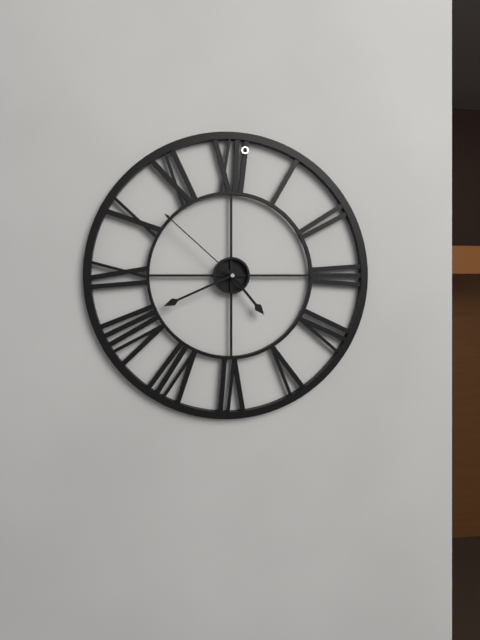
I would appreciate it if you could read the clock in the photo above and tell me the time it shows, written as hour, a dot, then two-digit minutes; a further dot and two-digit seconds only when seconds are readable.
4.41.52
